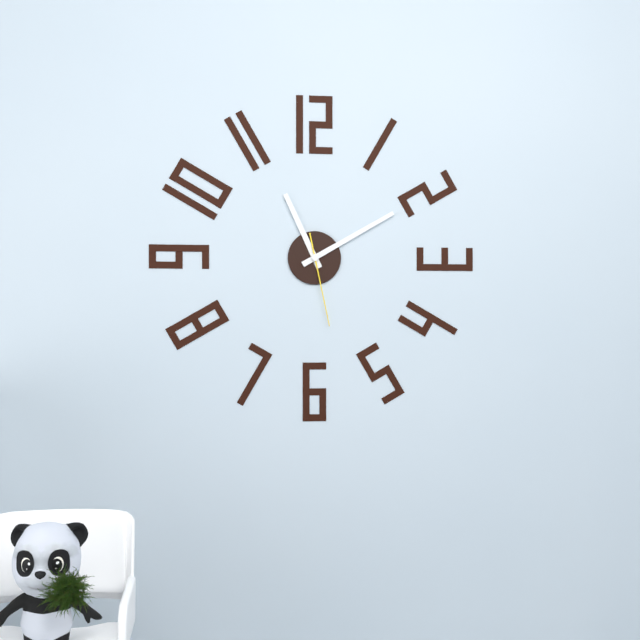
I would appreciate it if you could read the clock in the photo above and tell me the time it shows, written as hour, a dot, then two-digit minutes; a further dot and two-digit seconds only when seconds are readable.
11.10.28
